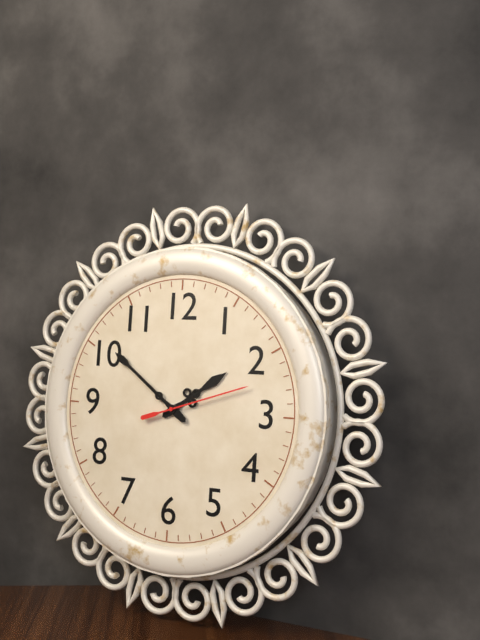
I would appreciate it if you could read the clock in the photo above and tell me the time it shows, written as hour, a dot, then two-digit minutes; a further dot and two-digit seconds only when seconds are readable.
1.51.12
